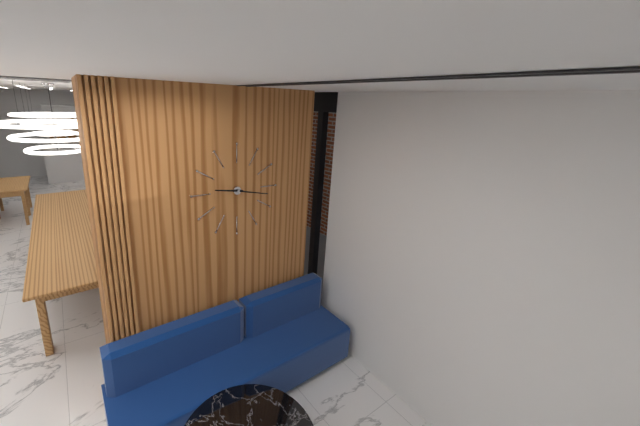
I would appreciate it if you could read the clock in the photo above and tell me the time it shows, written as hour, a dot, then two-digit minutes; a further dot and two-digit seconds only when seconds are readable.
9.17
